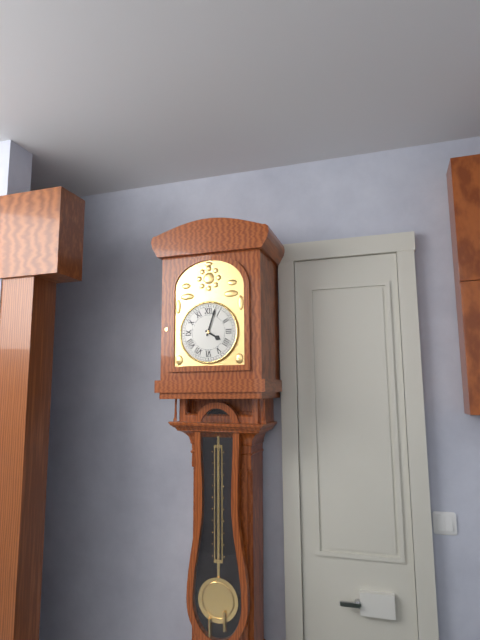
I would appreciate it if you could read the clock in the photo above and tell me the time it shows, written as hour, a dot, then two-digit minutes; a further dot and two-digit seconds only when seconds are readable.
4.03
